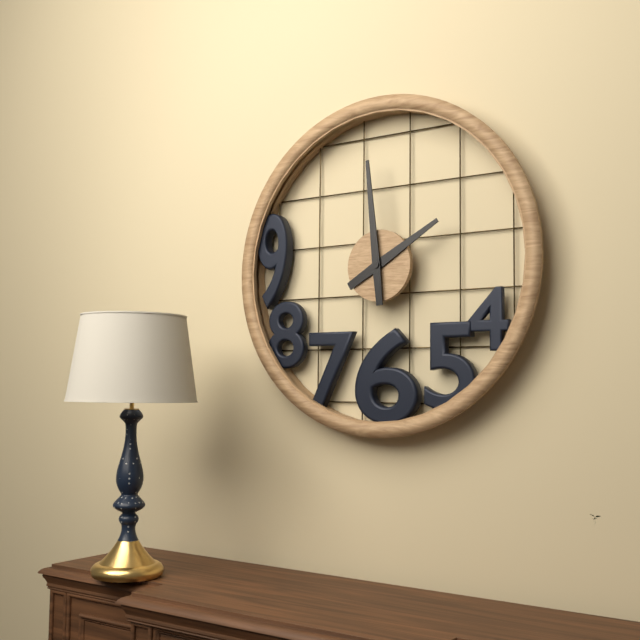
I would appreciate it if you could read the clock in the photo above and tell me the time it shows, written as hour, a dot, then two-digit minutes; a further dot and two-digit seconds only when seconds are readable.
1.59
